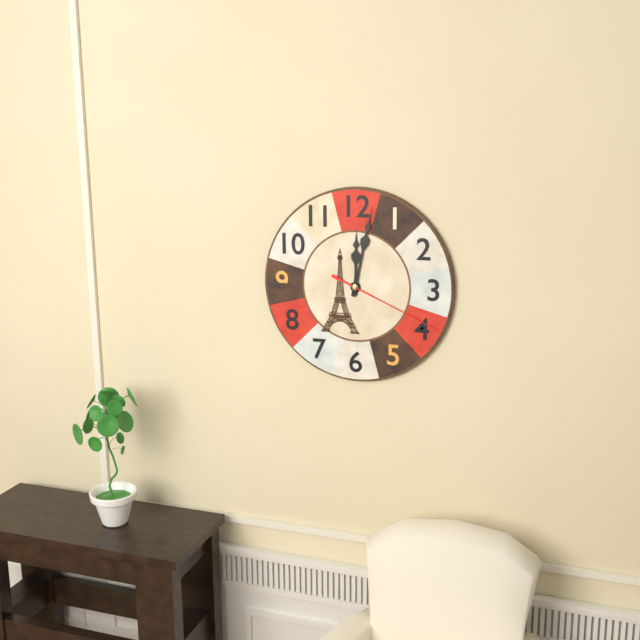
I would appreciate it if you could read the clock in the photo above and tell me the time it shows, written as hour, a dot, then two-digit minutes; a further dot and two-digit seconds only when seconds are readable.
12.02.19
